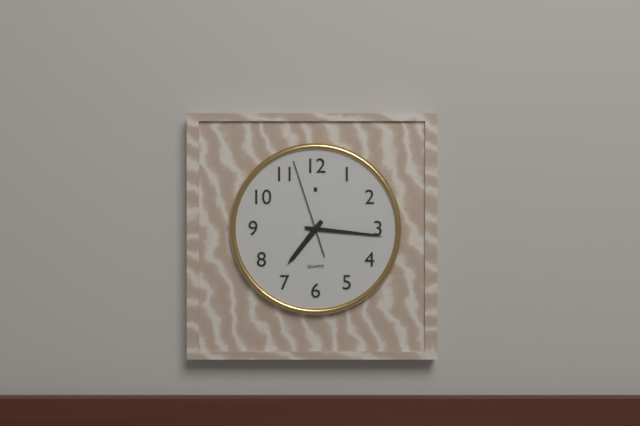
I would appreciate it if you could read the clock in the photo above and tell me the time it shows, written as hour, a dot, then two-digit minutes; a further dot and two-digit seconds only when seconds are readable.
7.16.57
